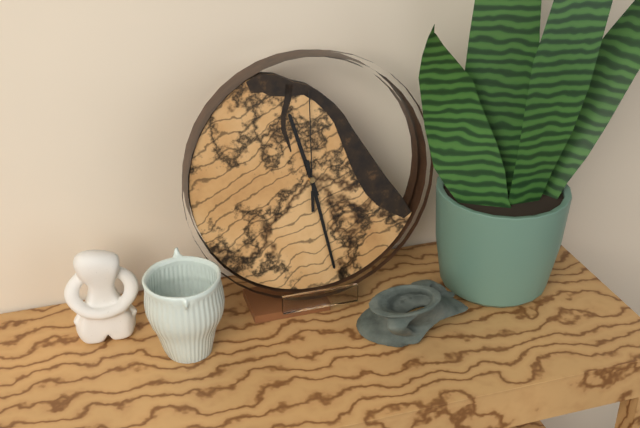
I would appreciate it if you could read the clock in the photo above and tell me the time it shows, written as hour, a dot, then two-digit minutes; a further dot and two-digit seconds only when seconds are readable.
11.28.00
